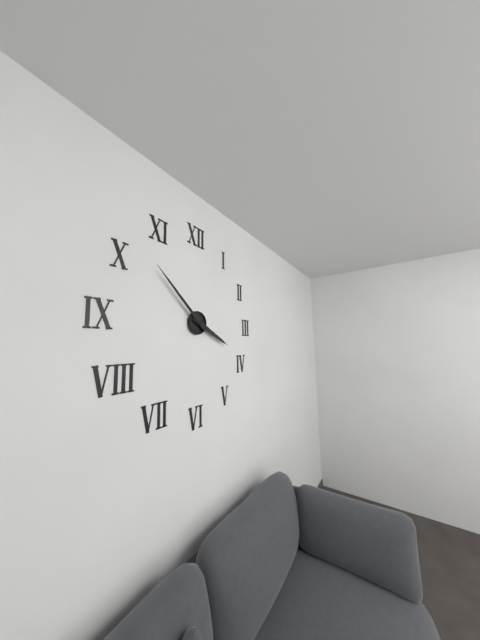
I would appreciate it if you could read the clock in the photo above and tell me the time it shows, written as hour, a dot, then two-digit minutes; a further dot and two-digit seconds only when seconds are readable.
3.52
